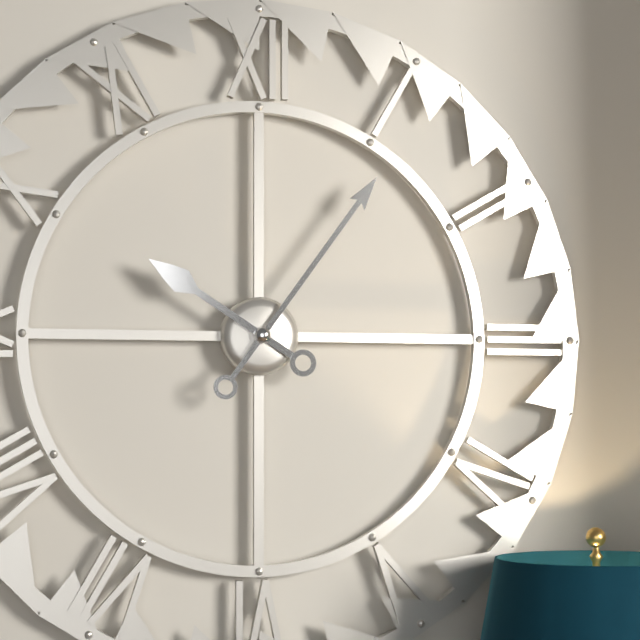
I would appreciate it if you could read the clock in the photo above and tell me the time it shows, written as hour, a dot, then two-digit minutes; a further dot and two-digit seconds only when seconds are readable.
10.06
